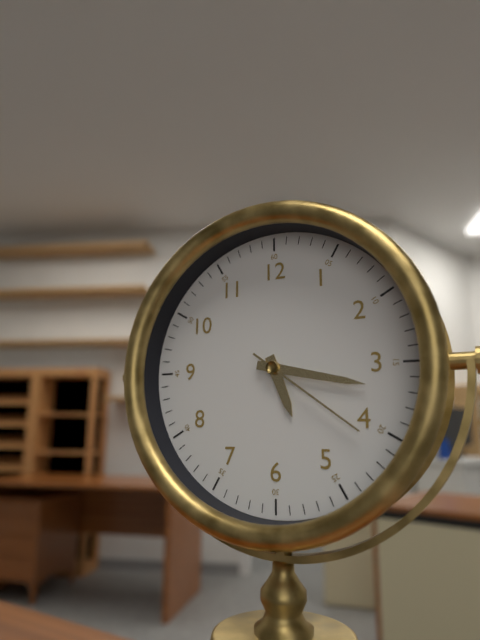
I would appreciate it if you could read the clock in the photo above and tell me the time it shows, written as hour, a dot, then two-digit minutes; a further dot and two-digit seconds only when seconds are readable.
5.17.21
